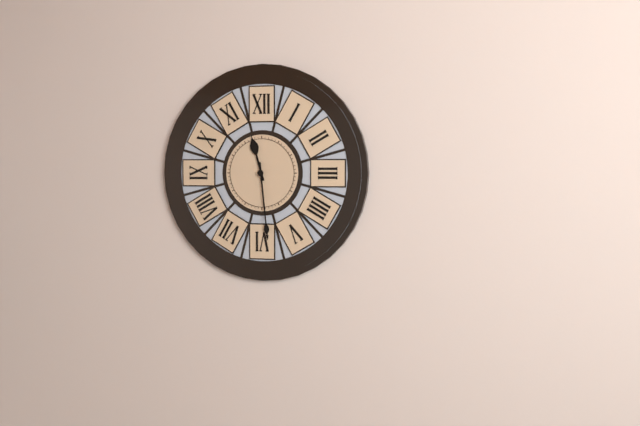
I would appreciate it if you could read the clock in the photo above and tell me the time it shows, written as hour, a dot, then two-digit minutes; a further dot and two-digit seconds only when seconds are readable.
11.29
